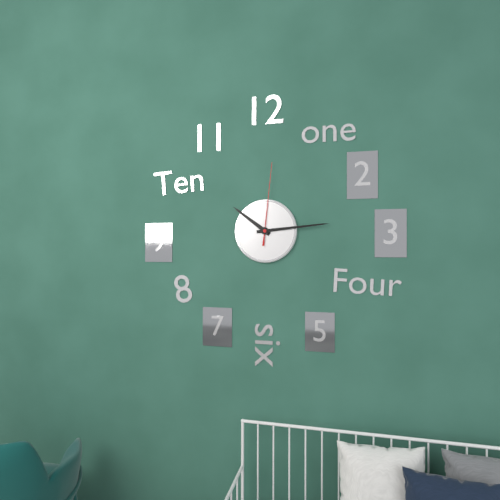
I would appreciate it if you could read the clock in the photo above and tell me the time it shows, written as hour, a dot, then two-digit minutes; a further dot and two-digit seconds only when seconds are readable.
10.14.01
